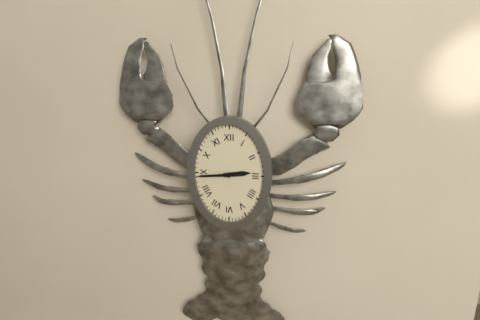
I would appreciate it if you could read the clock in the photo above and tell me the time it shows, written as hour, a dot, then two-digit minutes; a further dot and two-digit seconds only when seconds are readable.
2.44
